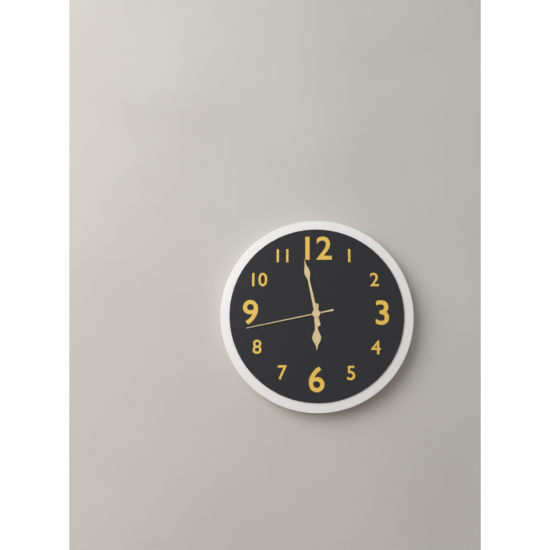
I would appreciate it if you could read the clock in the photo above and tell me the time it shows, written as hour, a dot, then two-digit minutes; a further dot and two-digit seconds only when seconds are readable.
5.58.43
